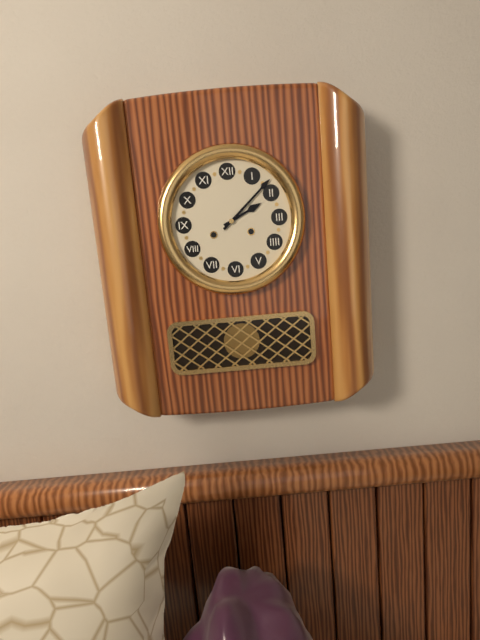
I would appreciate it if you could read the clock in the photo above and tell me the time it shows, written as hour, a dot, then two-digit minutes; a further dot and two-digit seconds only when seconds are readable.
2.08
